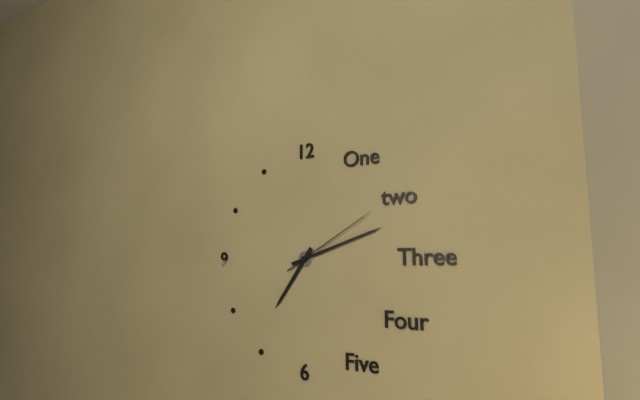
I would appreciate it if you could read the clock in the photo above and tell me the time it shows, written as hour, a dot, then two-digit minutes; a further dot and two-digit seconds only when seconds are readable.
7.12.10
